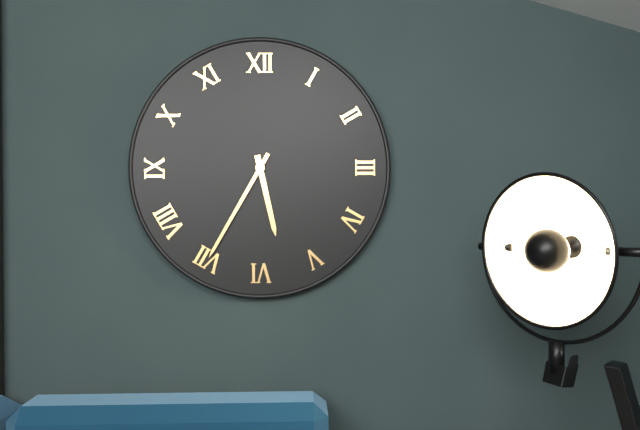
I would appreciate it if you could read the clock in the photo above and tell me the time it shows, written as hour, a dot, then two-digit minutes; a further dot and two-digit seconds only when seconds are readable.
5.35
